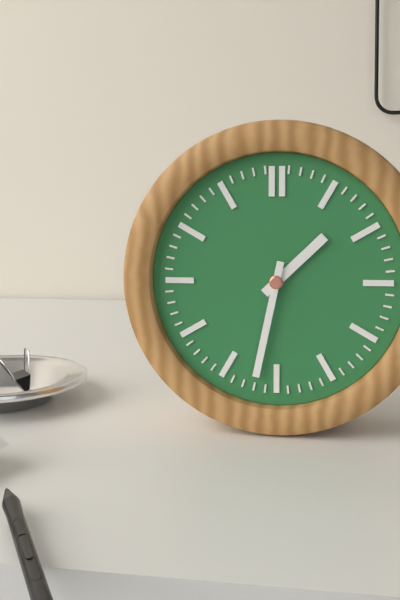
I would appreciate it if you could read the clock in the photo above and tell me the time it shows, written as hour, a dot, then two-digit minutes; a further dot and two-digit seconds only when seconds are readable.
1.32
